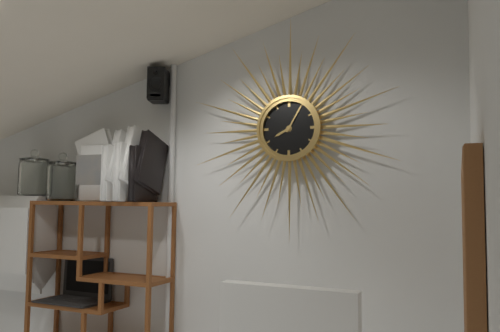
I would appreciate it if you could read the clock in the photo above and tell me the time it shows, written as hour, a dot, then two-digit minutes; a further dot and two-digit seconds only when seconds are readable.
8.05
